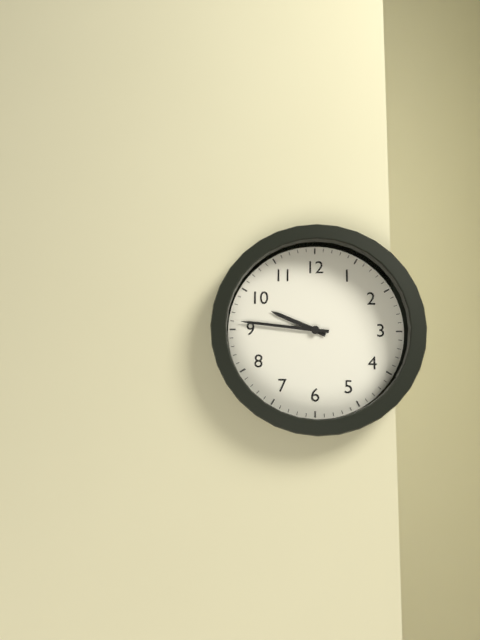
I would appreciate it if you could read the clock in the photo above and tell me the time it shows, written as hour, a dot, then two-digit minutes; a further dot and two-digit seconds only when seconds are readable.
9.46
